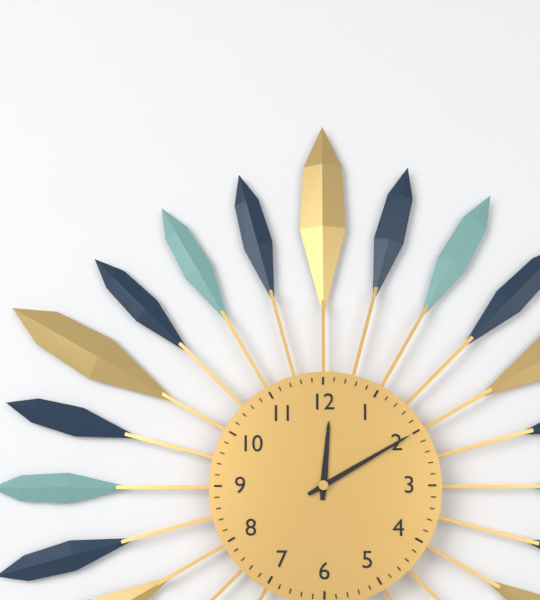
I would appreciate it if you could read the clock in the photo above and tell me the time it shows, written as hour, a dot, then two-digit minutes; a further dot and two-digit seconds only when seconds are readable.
12.10
